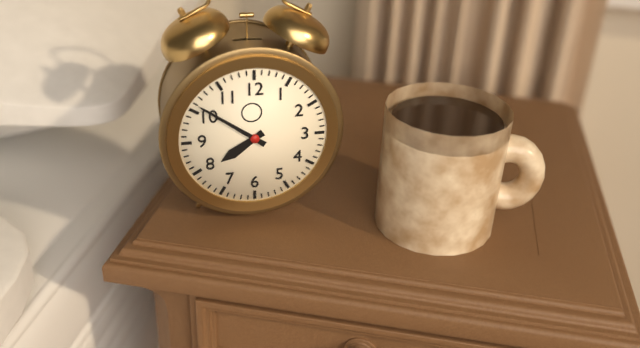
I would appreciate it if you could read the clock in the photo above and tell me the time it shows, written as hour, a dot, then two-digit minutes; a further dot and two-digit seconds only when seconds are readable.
7.51
